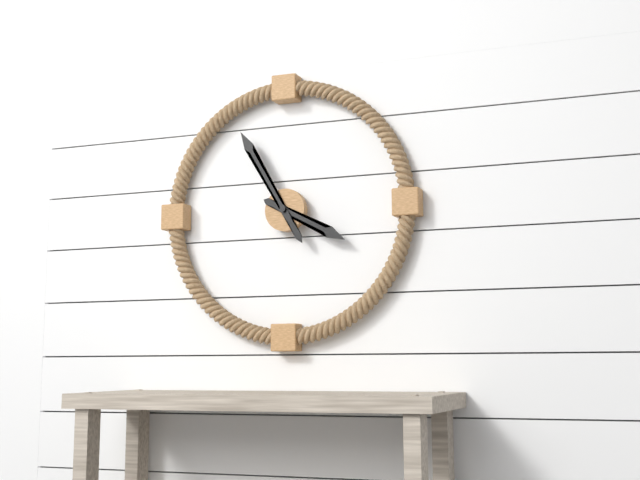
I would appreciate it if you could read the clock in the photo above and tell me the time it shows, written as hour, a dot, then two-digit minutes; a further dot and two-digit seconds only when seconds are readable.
3.55
